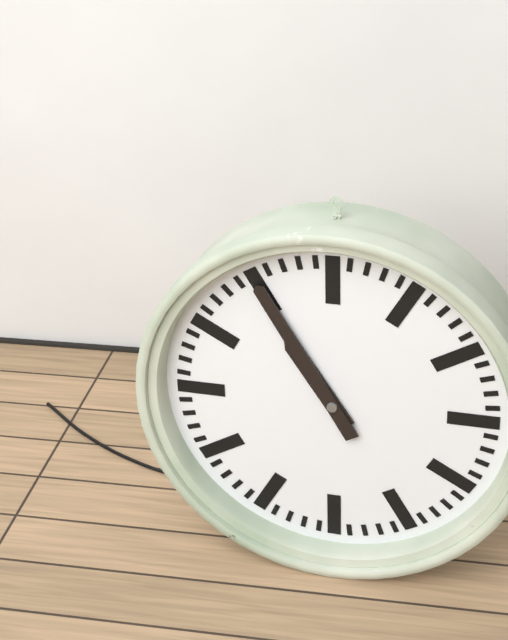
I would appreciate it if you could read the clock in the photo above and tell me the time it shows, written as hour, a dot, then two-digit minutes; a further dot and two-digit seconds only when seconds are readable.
10.55
